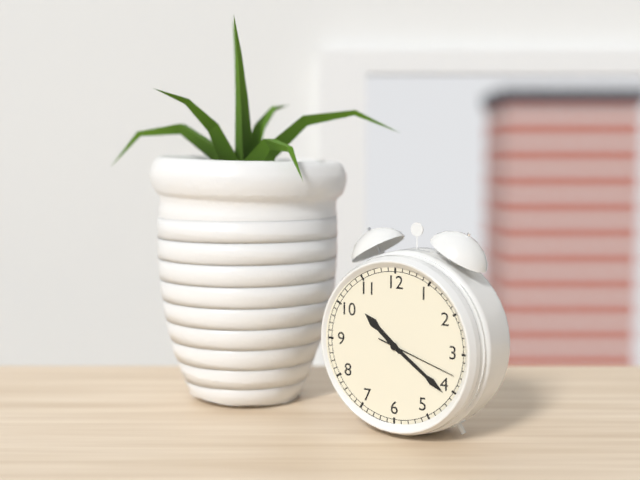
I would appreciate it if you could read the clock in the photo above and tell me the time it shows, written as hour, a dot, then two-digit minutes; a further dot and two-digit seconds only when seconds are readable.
10.21.18
